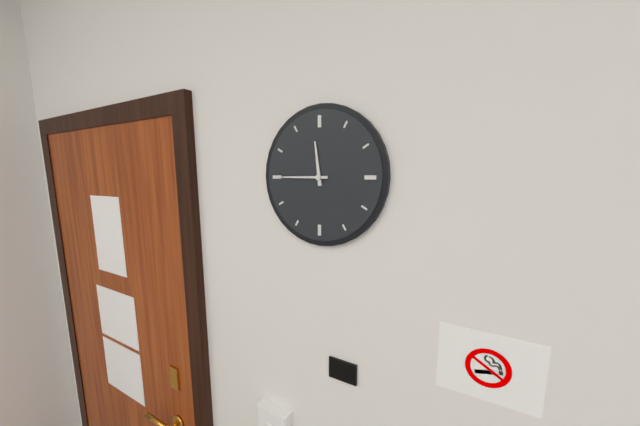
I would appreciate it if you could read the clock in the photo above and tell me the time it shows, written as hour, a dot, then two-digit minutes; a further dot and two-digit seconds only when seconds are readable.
11.45
